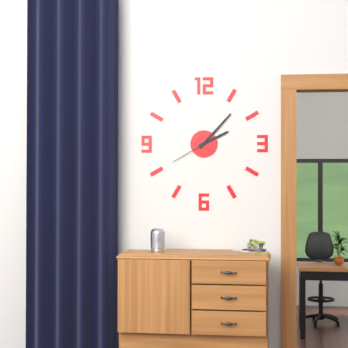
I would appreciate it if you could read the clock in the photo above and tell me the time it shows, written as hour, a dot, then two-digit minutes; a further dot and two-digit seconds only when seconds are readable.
2.07
